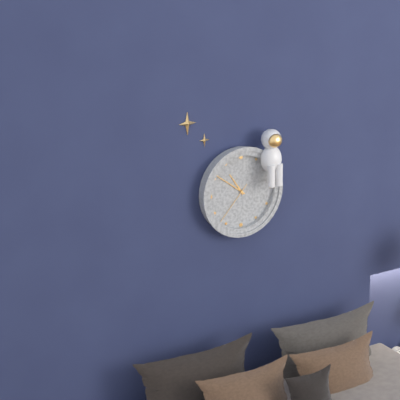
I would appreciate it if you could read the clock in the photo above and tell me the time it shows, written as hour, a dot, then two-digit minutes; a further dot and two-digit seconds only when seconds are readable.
10.51
